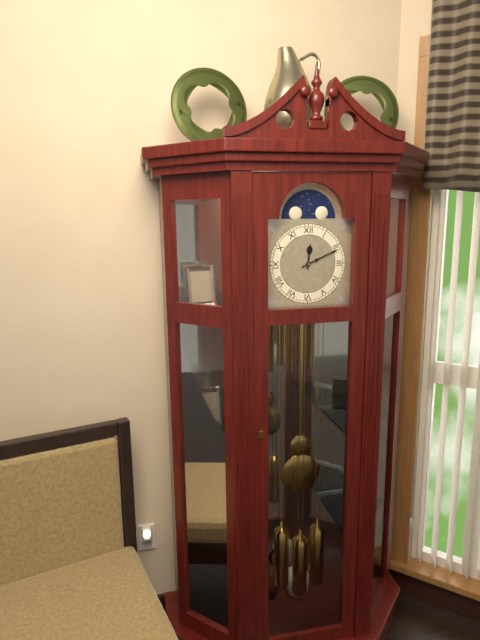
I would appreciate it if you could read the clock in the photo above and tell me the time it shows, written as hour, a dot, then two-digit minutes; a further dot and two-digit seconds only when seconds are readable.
12.11
